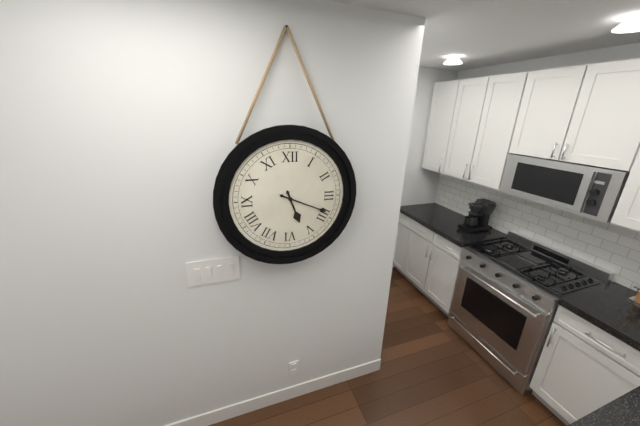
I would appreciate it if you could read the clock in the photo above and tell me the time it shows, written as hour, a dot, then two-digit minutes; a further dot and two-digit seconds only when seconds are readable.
5.19
